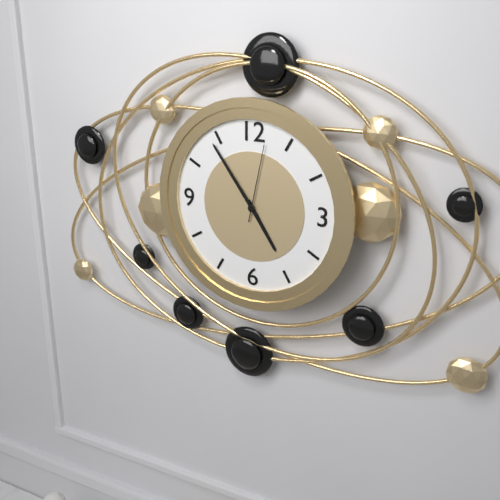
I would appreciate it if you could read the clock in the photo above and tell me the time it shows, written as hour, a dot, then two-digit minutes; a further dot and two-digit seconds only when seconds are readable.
4.54.02
